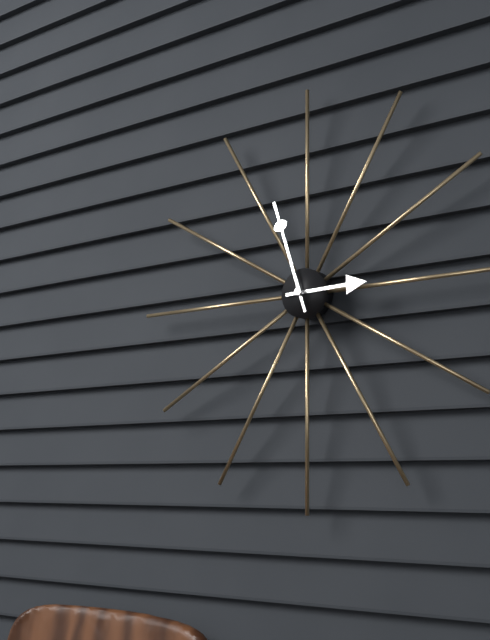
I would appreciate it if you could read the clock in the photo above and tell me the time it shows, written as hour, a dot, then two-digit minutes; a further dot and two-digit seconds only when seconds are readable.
2.57
